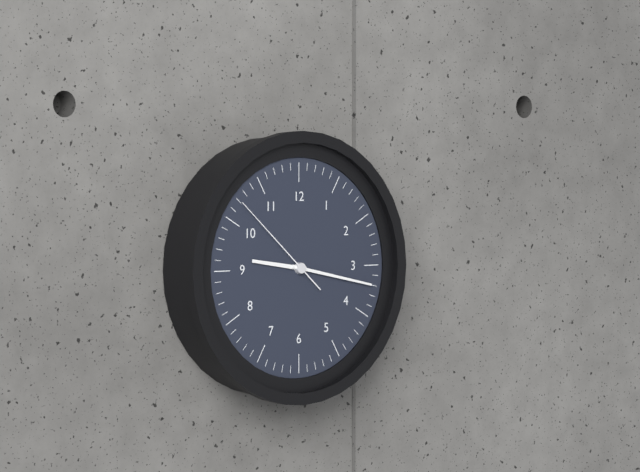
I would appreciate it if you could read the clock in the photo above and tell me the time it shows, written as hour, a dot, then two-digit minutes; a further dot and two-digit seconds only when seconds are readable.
9.17.52
